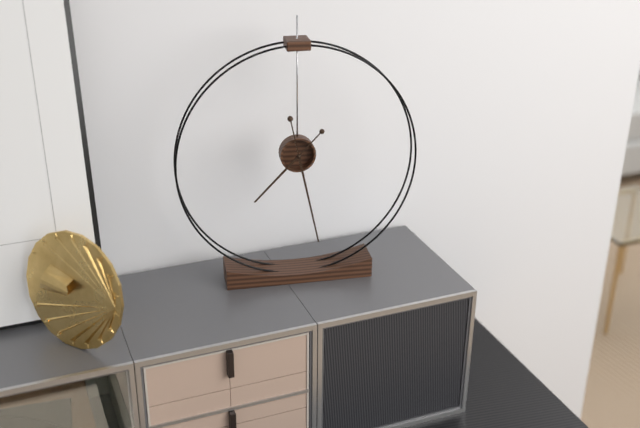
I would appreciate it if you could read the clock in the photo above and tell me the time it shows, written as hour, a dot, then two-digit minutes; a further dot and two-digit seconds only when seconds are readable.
7.28
